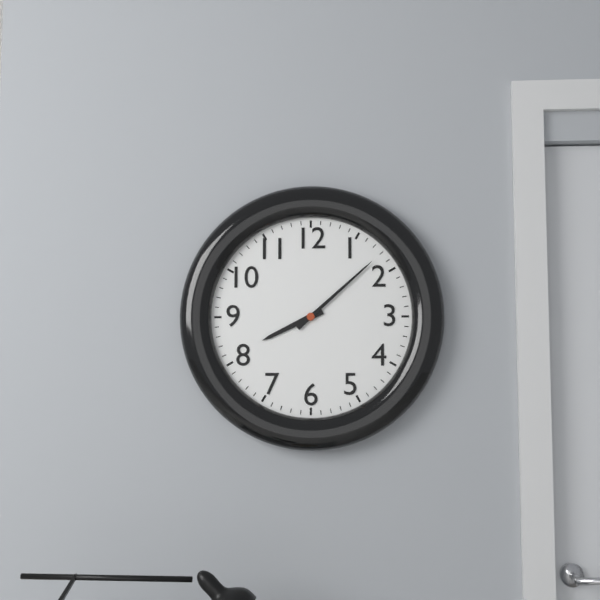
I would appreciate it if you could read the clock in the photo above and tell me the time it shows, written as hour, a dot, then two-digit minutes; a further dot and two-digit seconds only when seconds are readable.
8.08
